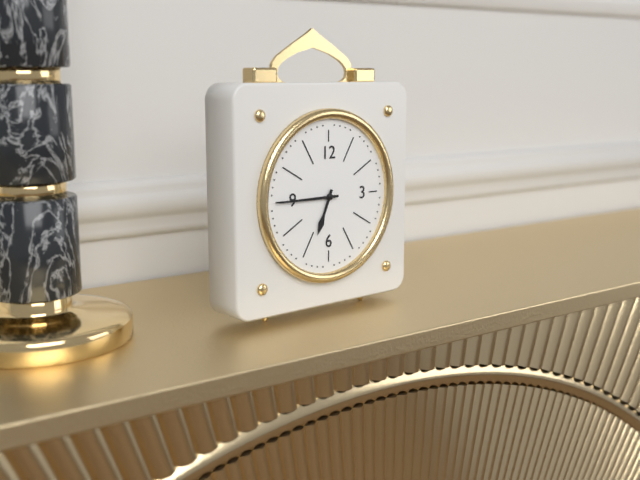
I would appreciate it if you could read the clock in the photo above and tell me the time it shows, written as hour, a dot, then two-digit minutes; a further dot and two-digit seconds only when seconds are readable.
6.45
